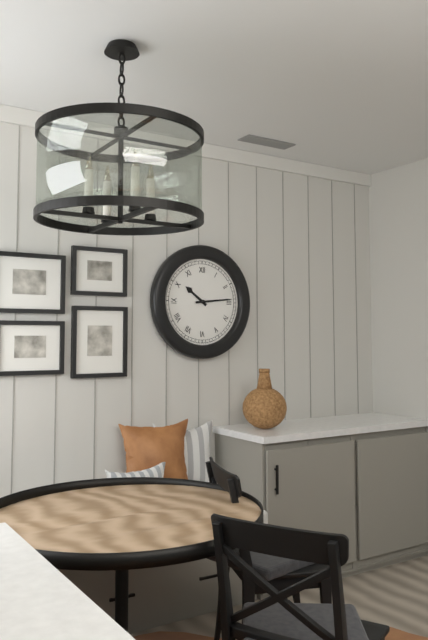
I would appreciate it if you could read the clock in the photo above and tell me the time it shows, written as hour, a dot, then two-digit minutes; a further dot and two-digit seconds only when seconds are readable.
10.14
